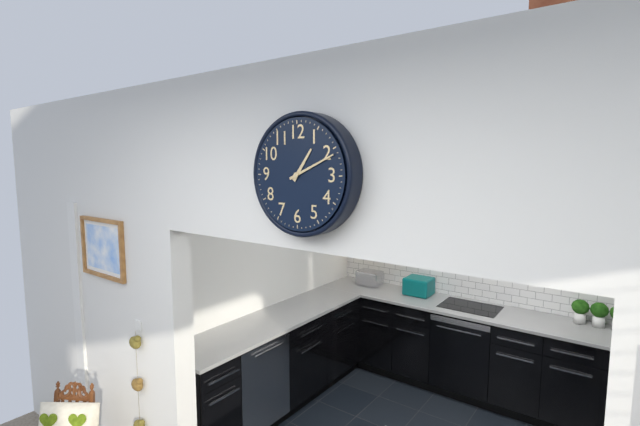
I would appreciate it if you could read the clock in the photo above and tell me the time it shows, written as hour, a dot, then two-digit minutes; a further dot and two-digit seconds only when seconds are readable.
1.11
